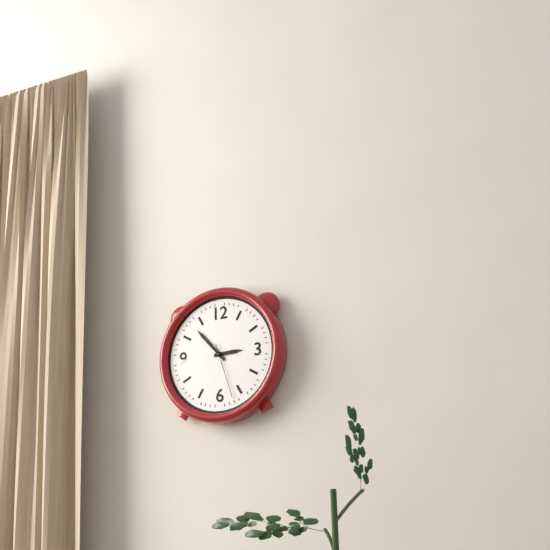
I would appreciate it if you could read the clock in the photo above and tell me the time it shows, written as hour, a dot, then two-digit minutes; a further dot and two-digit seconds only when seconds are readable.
2.53.27
